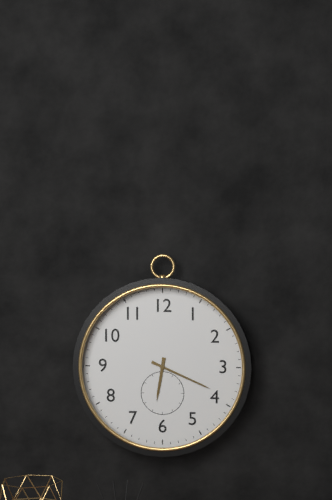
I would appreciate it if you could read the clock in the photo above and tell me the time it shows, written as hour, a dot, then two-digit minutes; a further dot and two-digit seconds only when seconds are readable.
6.19
